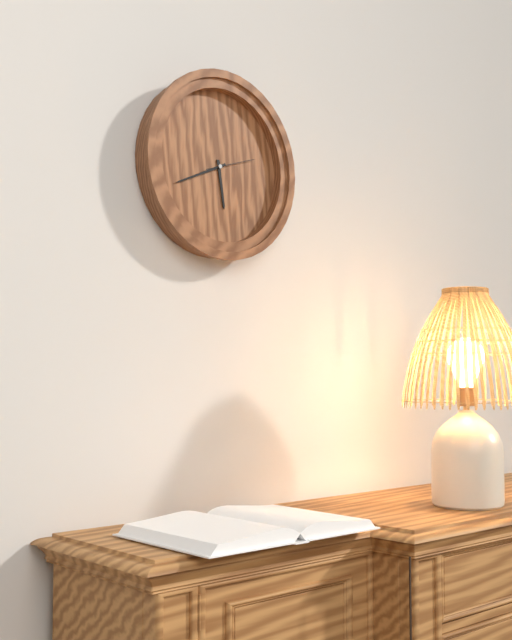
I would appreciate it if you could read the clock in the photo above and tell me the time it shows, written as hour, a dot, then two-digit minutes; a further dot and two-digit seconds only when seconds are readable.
5.41
